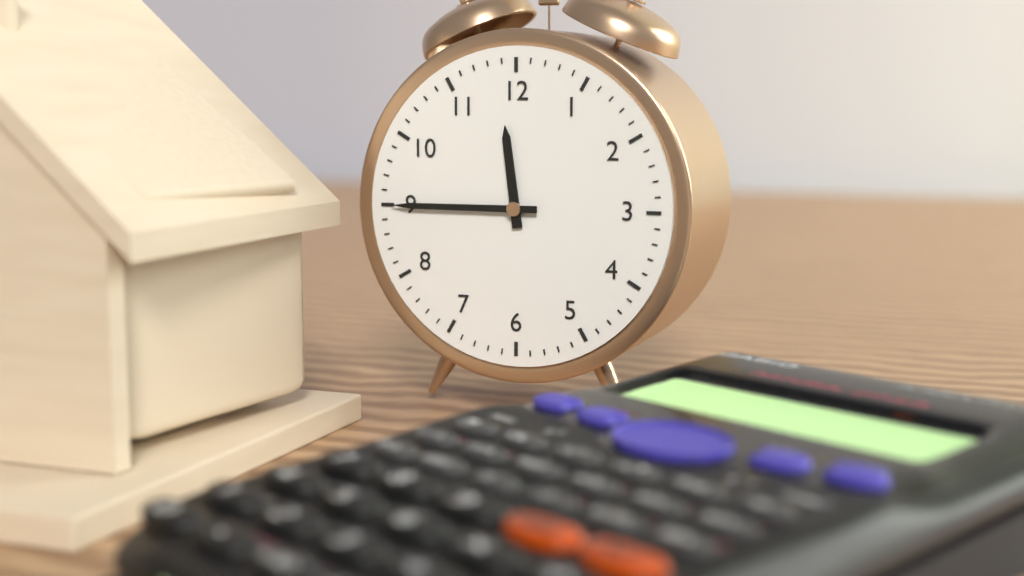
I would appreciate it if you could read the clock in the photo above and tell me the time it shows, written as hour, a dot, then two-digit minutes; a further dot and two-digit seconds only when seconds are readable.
11.45
